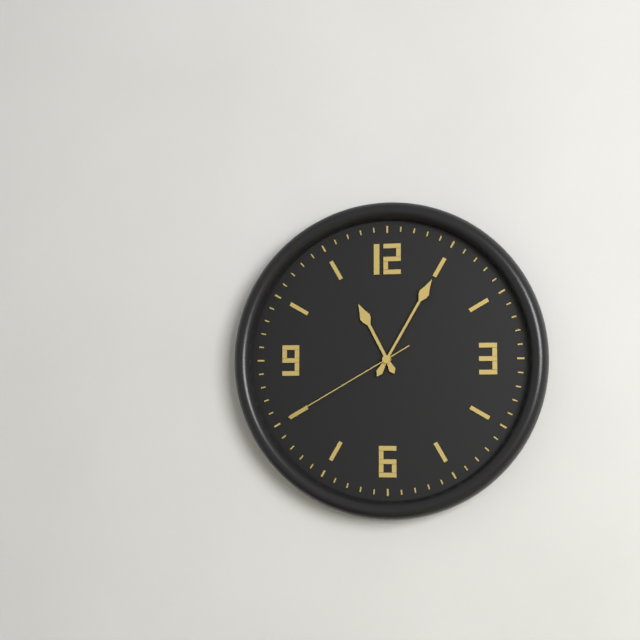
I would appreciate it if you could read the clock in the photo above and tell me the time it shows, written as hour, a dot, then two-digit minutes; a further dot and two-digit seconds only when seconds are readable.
11.05.40
